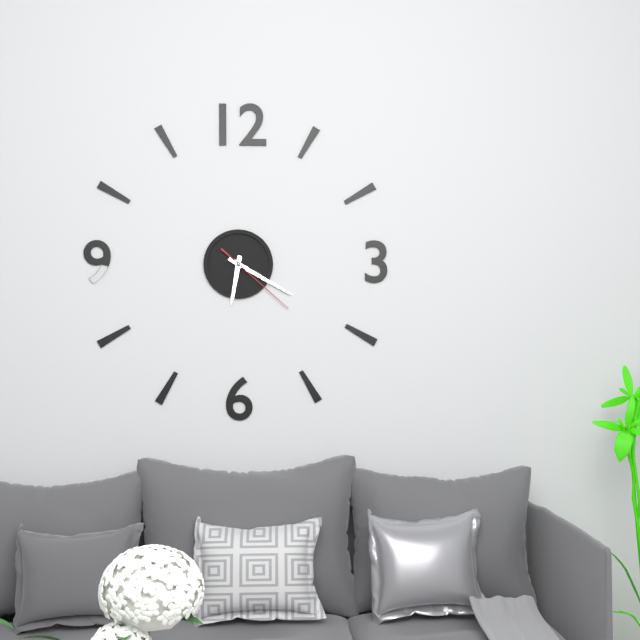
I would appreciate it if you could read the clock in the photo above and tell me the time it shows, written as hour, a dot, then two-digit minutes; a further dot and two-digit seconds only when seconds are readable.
6.20.22
